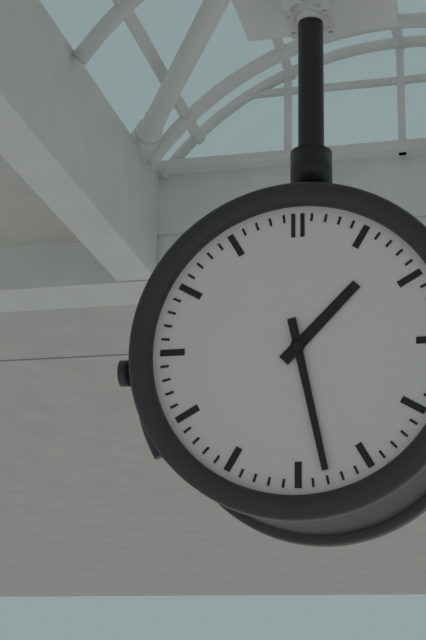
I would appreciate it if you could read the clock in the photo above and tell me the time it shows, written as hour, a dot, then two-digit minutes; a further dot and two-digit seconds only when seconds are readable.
1.28
